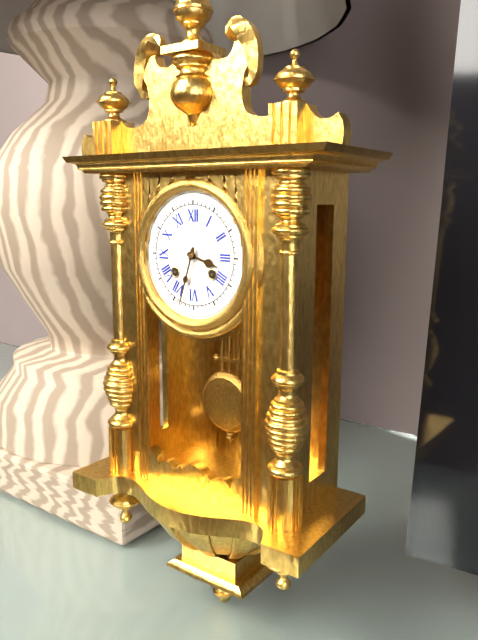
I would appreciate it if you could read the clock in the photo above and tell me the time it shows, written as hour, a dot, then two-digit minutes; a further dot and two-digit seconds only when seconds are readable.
3.33
